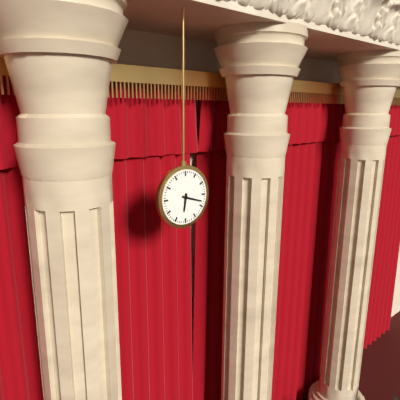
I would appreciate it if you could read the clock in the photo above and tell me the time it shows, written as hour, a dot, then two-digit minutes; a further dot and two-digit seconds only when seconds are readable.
6.18
